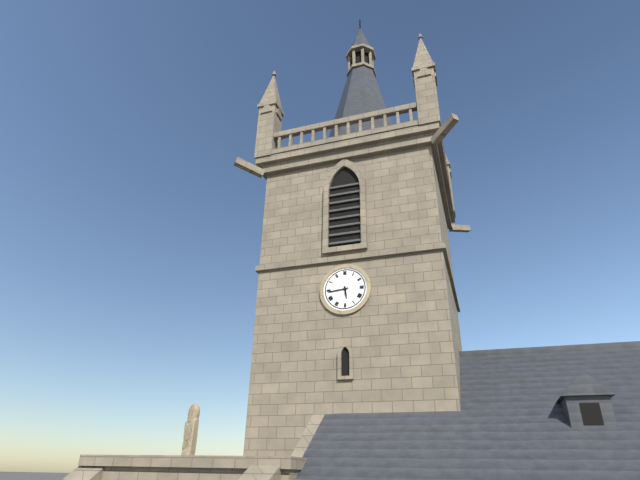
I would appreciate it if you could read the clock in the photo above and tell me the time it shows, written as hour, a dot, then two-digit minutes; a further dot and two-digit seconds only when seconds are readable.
5.44
